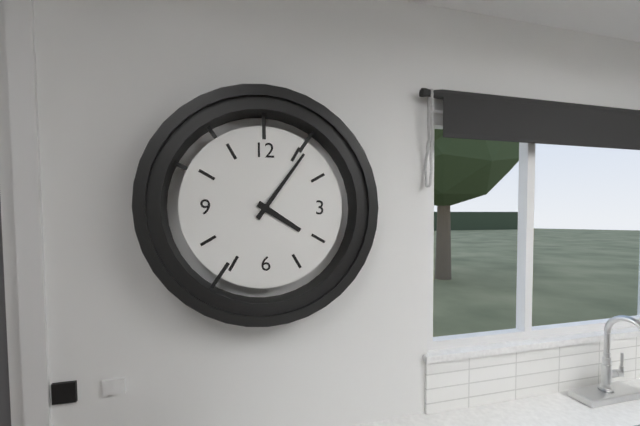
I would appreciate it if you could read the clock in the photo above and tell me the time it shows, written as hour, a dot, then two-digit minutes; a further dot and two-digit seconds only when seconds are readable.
4.06
